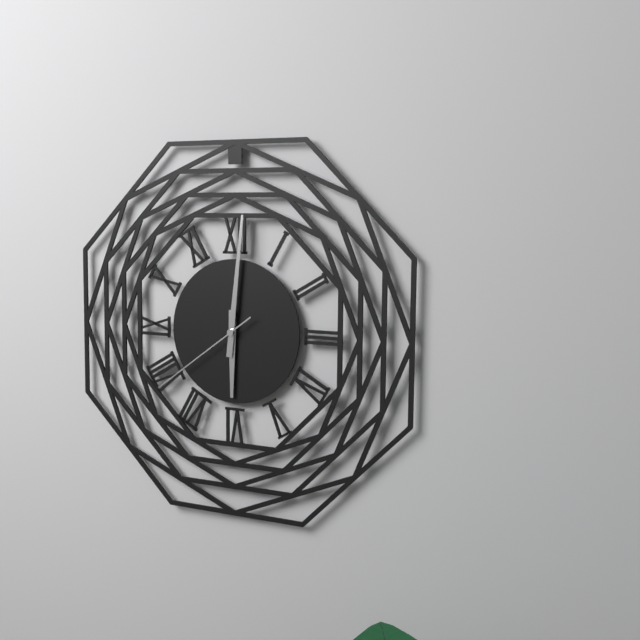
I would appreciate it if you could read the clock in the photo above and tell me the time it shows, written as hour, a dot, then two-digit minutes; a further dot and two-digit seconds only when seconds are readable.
6.01.39
